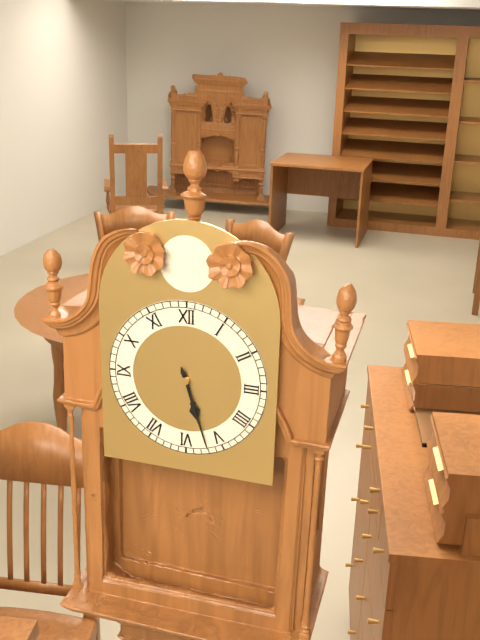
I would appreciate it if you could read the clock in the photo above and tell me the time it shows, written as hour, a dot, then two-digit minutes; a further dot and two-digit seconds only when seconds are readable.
5.27
